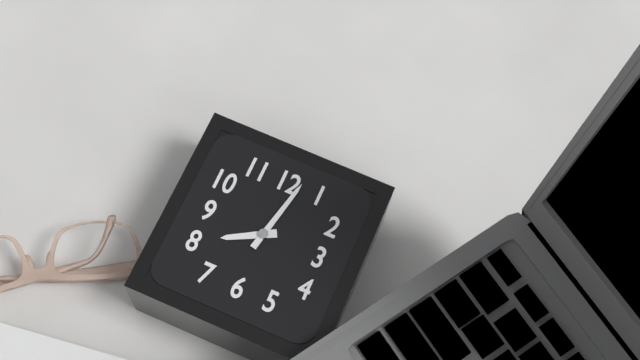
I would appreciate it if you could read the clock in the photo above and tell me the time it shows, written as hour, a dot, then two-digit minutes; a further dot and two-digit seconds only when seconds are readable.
8.02
